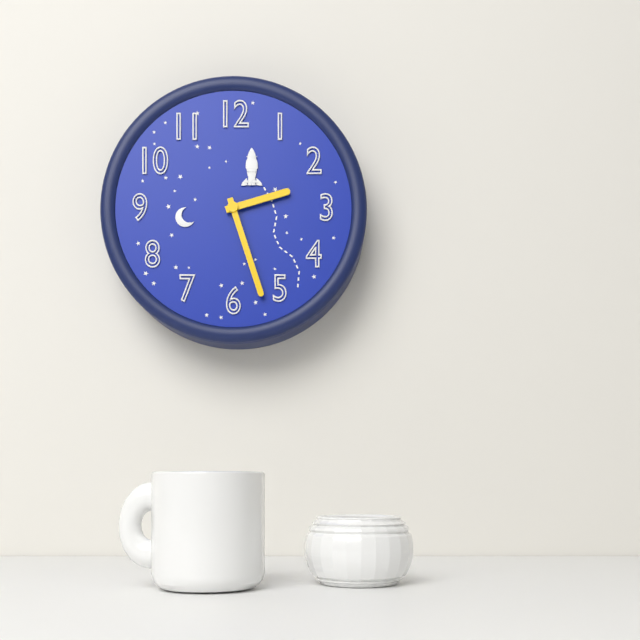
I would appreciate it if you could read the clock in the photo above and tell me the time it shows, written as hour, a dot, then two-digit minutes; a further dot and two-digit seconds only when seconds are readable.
2.27
